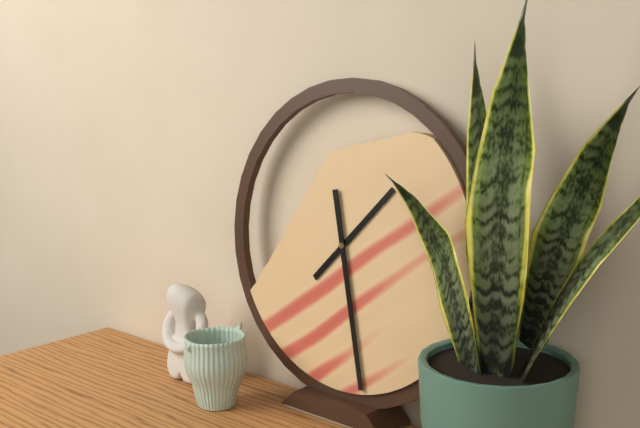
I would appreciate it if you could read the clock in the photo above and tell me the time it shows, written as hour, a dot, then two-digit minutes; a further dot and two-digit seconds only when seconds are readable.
1.28
